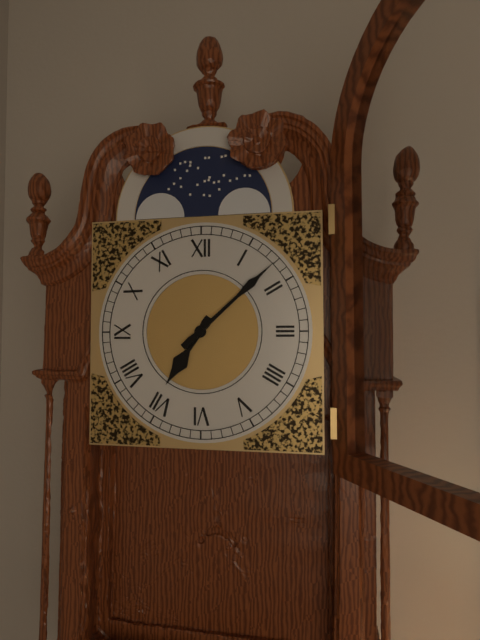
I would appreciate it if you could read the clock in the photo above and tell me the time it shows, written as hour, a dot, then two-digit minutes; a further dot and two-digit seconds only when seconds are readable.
7.08
